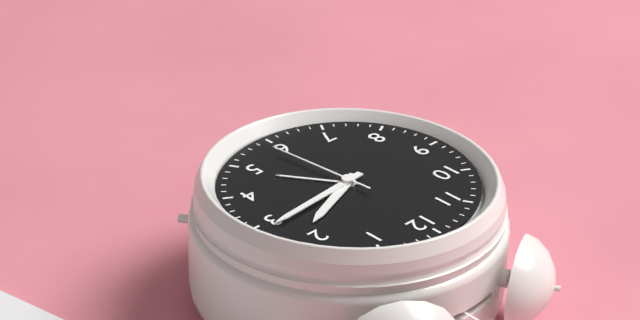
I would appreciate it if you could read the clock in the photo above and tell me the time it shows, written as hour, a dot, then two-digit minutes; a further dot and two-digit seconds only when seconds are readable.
2.14.29
